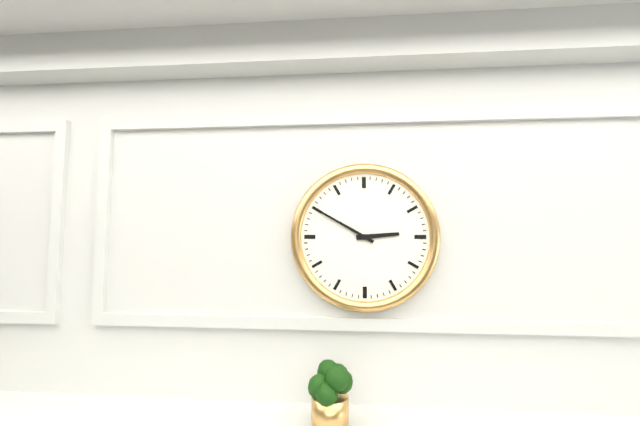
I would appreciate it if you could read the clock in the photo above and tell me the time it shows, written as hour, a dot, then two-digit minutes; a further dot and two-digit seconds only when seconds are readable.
2.50
